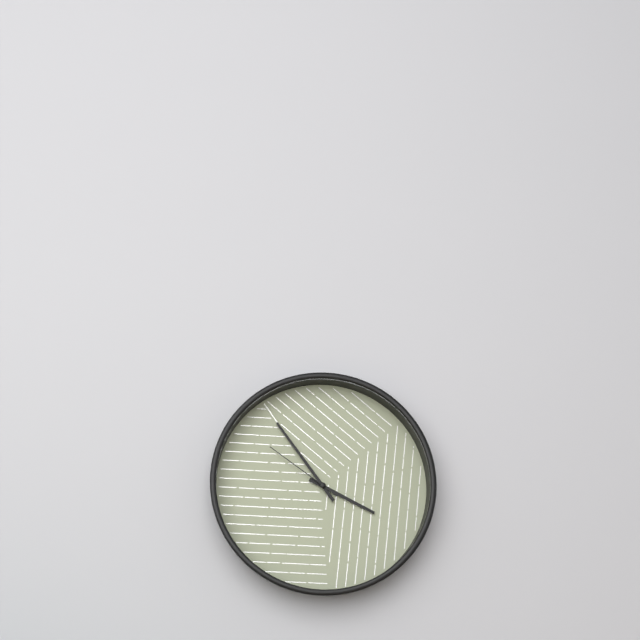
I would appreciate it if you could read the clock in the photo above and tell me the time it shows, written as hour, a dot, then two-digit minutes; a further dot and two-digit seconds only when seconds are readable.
3.54.51
